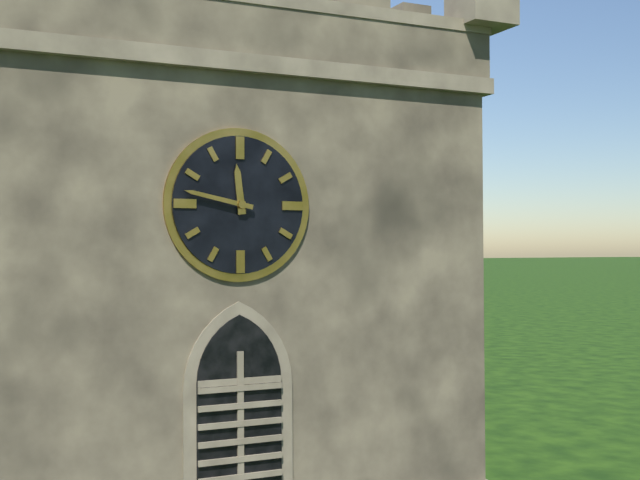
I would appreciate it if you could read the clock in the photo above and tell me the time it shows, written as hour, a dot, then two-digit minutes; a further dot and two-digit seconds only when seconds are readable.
11.47
